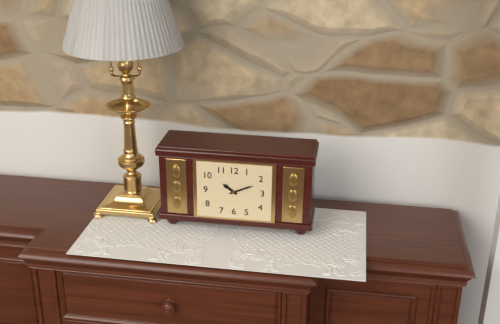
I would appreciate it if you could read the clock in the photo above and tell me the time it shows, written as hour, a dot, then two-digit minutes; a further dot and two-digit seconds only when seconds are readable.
10.11
